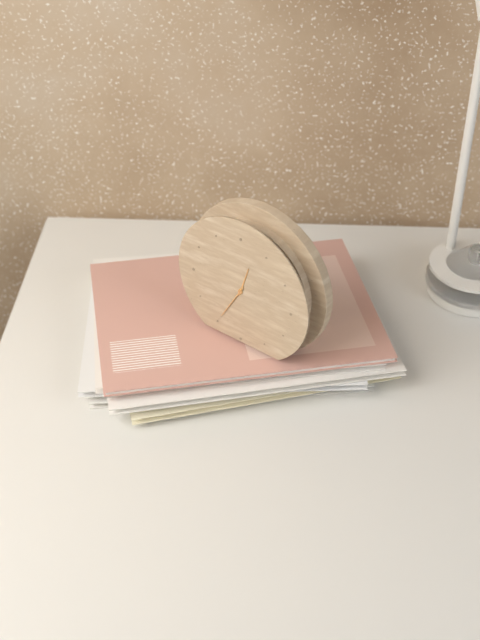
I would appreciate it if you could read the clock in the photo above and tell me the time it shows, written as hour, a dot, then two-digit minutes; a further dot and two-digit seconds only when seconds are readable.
12.35
